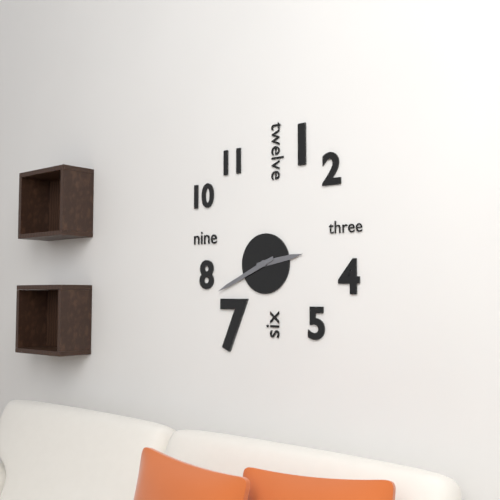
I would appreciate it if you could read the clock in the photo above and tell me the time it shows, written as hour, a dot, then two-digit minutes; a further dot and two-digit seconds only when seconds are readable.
2.41
